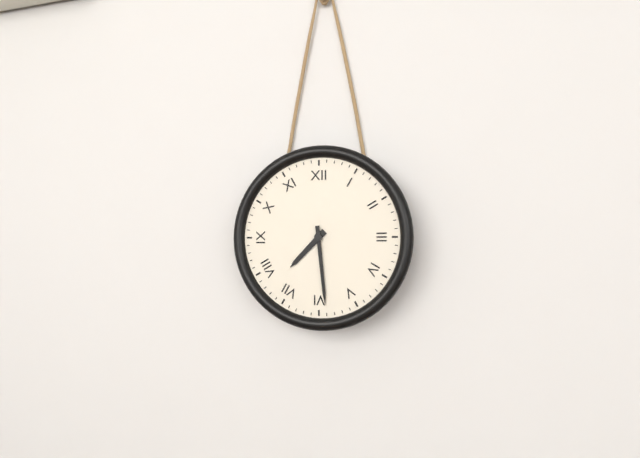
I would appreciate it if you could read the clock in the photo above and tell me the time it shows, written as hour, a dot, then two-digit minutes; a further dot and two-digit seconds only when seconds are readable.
7.29
